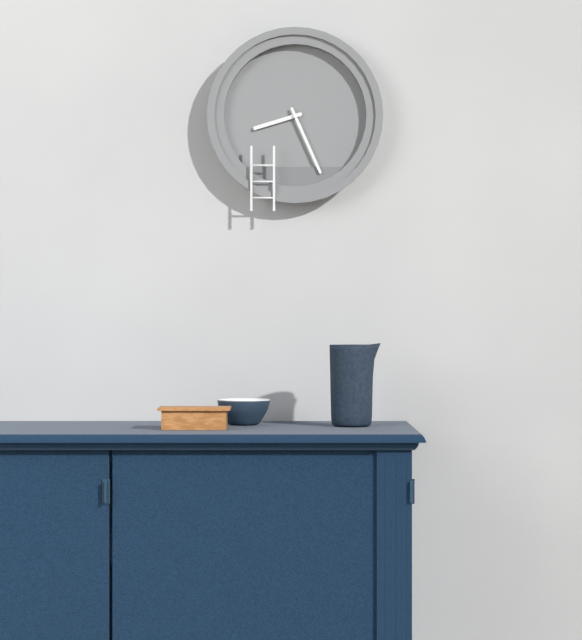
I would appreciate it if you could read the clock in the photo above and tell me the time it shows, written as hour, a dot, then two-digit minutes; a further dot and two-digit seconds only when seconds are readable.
8.26
